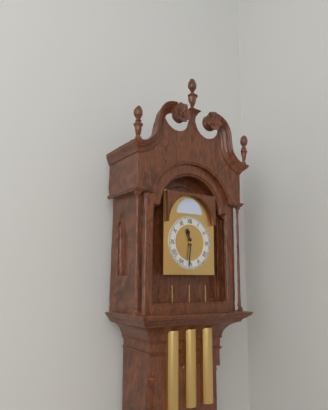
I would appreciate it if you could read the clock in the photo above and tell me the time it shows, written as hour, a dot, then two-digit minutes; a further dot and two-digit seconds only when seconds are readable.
11.31
